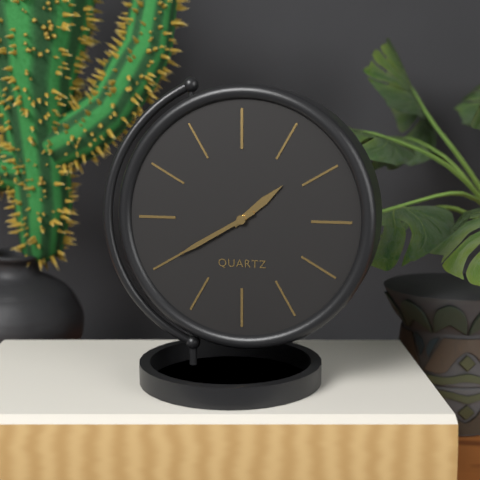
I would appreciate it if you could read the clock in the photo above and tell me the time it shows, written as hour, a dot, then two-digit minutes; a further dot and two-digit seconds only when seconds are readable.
1.40
